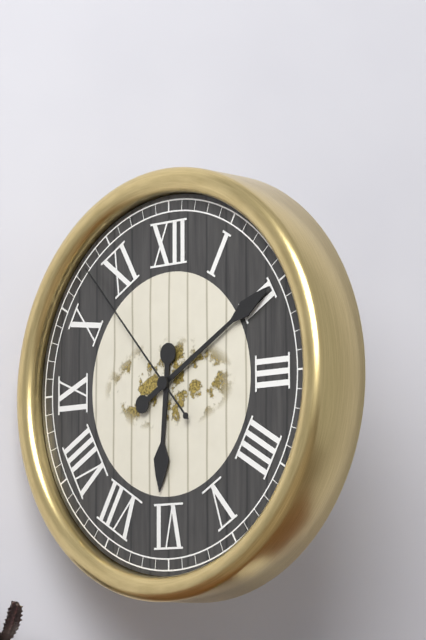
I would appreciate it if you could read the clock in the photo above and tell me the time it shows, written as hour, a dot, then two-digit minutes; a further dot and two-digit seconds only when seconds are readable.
6.10.53
